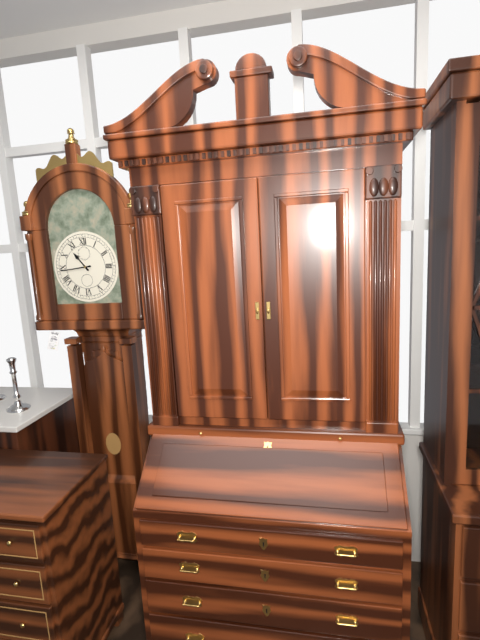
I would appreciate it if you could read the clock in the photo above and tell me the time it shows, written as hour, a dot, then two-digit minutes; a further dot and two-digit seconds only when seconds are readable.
10.44
